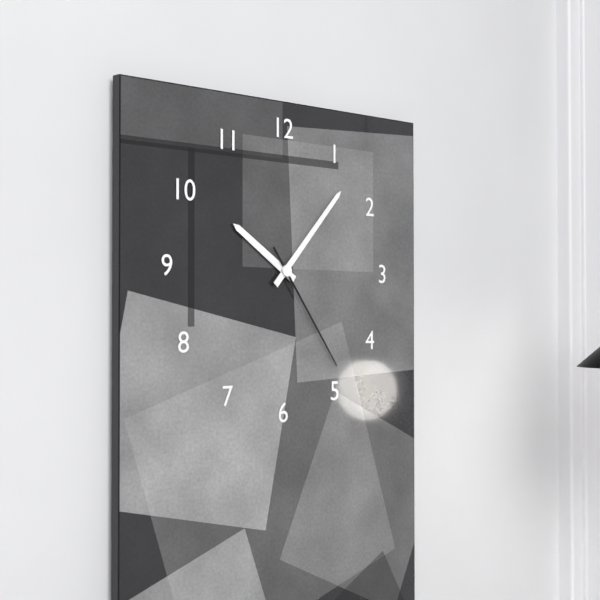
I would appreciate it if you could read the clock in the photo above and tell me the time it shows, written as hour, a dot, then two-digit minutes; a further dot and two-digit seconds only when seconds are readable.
10.07.24
